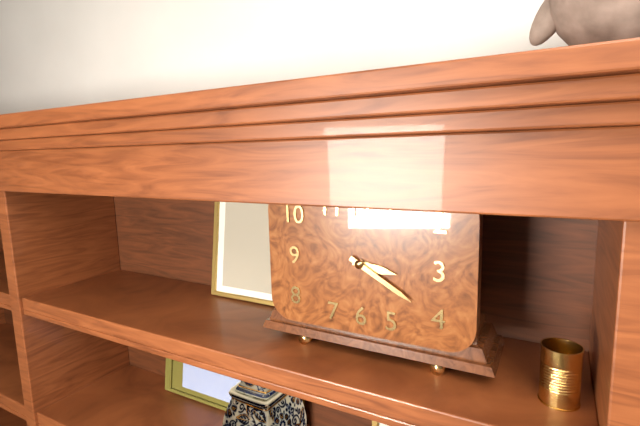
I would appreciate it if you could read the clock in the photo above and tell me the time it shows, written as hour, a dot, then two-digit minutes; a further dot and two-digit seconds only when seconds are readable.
3.20
